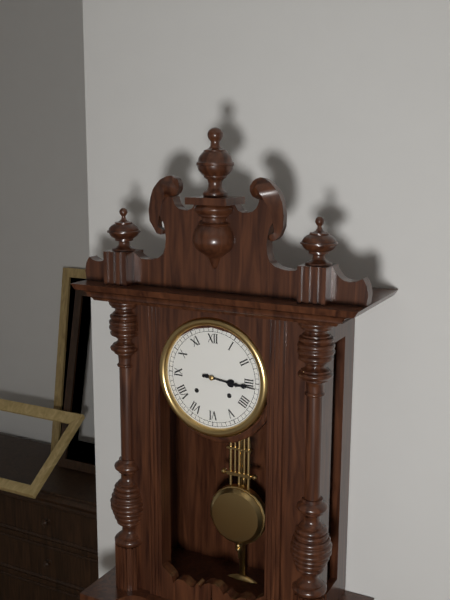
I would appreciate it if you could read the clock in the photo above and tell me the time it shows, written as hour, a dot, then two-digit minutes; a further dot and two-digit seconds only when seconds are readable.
3.16
